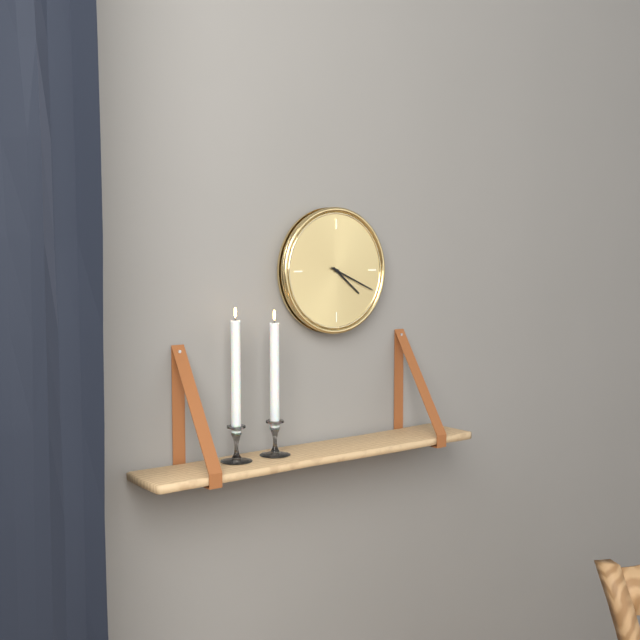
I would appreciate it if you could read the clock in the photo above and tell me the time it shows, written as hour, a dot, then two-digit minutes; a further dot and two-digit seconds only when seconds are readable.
4.19
